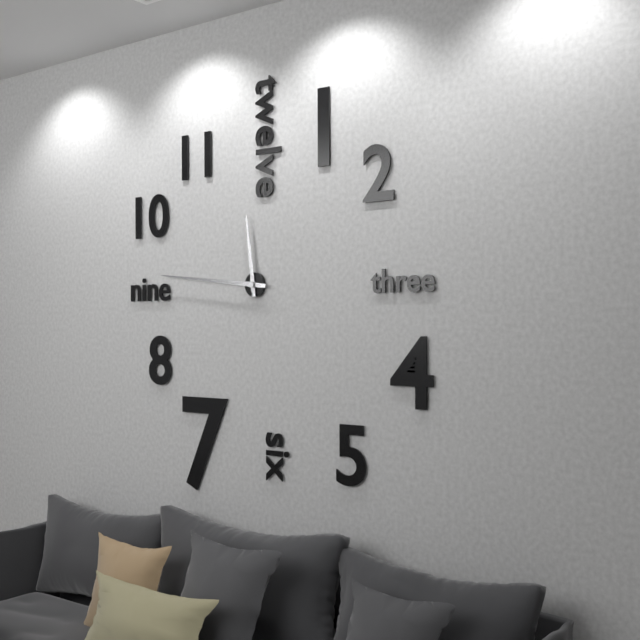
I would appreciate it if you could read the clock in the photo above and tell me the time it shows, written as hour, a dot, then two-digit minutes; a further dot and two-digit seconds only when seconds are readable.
11.46
